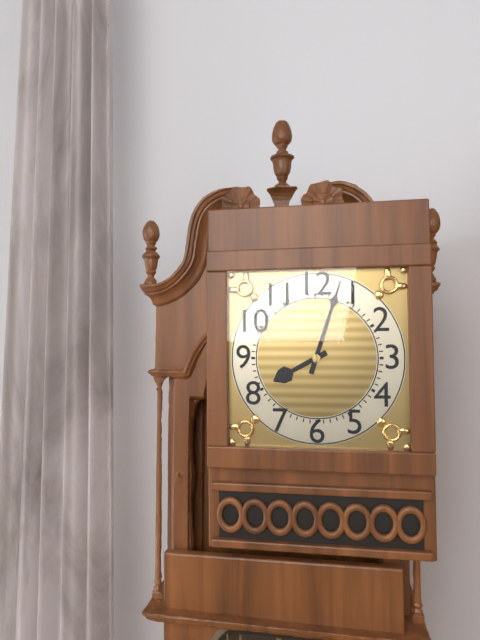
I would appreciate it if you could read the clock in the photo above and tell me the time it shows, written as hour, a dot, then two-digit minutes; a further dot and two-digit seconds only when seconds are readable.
8.03
